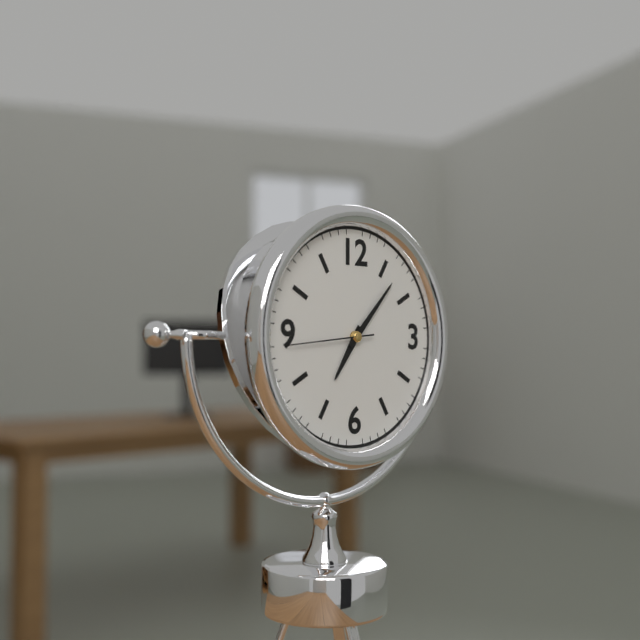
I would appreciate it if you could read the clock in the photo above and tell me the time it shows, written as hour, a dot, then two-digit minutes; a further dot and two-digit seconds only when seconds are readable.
7.07.44
